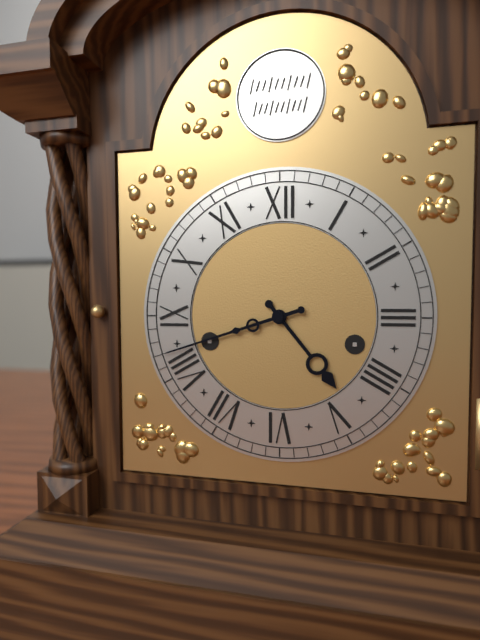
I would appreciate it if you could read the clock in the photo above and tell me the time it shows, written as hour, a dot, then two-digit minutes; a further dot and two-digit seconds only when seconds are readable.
4.42
